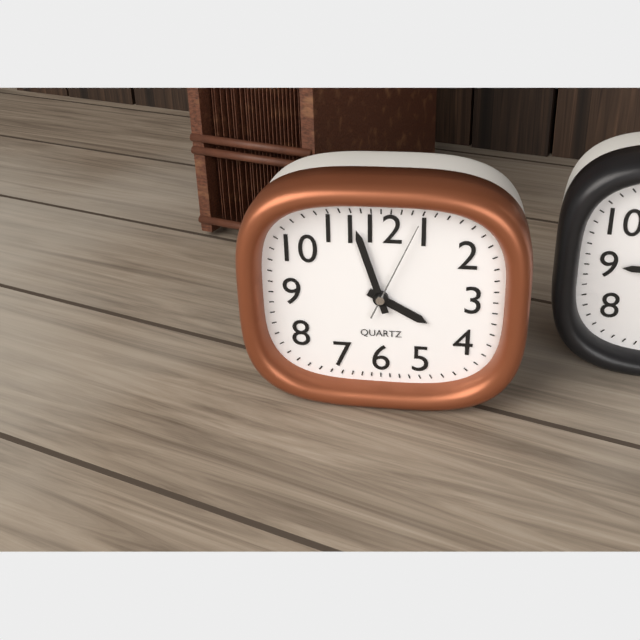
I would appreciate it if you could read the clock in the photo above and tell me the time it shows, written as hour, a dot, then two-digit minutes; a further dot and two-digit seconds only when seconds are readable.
3.57.04
